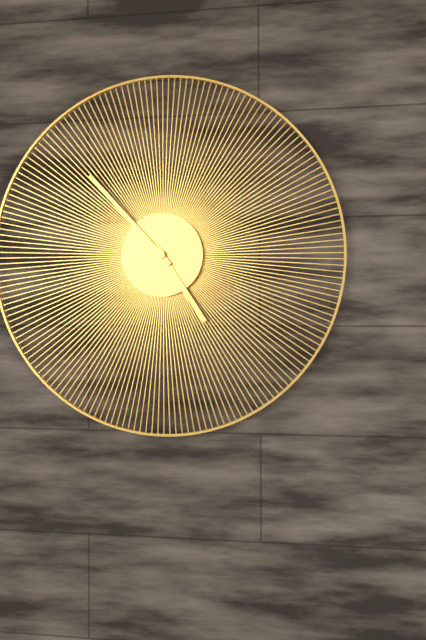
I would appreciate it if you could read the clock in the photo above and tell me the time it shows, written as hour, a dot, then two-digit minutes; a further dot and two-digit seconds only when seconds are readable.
4.53
